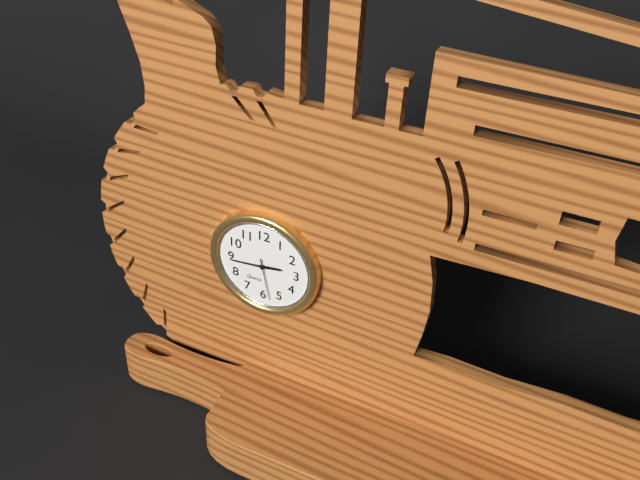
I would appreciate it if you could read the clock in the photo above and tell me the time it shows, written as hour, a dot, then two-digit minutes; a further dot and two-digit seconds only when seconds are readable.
2.44
